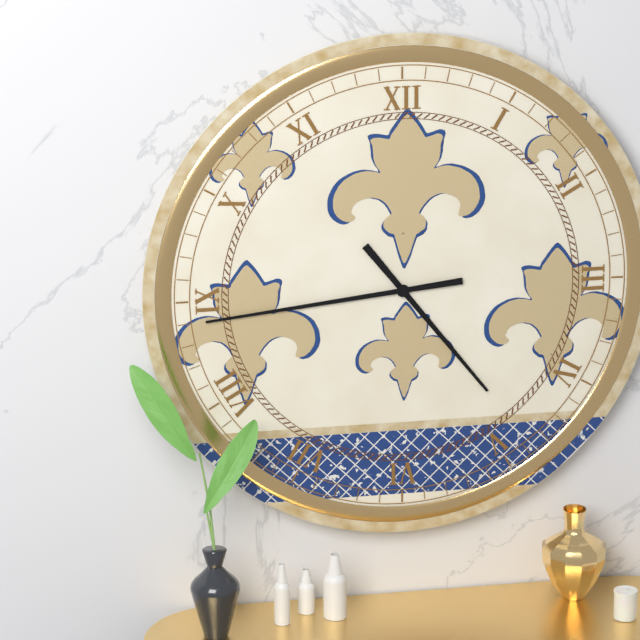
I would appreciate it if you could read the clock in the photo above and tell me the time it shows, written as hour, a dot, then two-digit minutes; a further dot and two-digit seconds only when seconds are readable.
4.44
